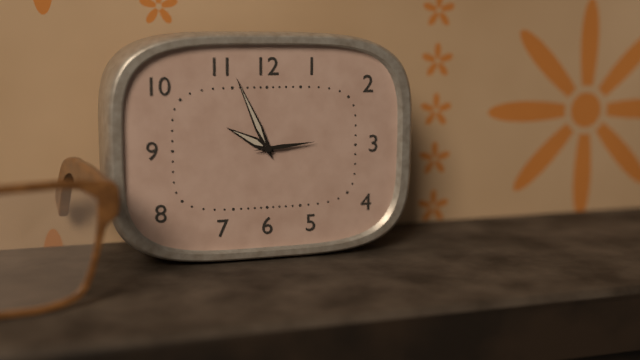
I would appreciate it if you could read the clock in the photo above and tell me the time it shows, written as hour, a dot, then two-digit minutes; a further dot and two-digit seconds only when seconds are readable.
9.56.14
